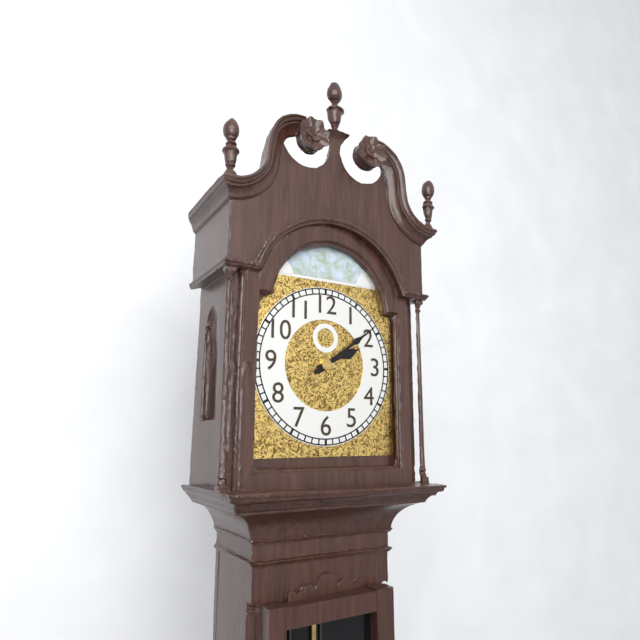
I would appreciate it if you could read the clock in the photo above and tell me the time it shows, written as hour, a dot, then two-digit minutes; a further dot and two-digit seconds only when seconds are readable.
2.09
